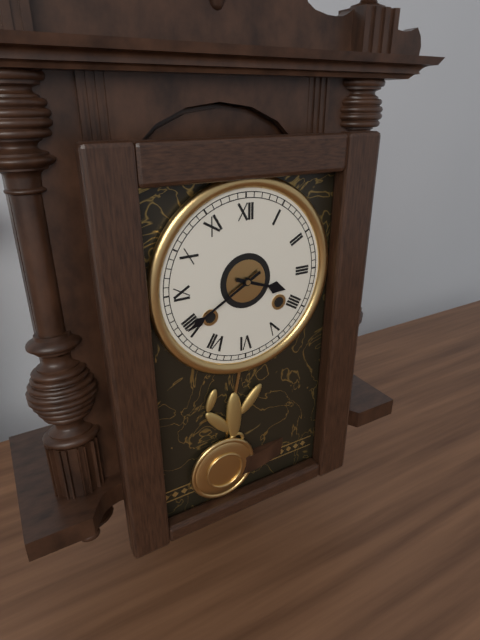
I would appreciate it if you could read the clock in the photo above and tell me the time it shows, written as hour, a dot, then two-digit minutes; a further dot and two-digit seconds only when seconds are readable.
3.40
